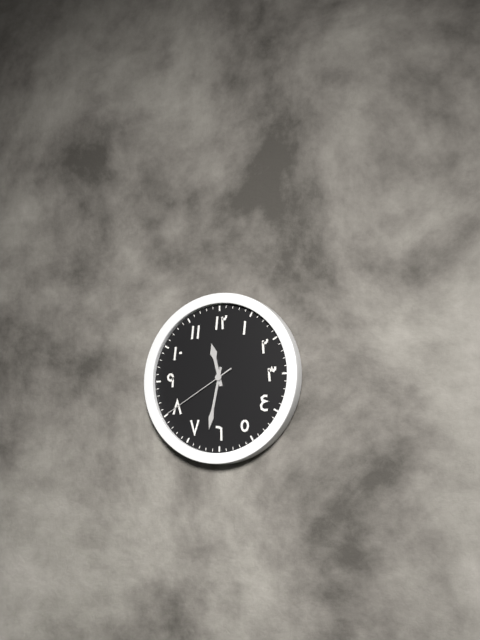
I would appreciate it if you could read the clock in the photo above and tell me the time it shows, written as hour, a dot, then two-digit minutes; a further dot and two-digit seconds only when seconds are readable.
11.32.40
